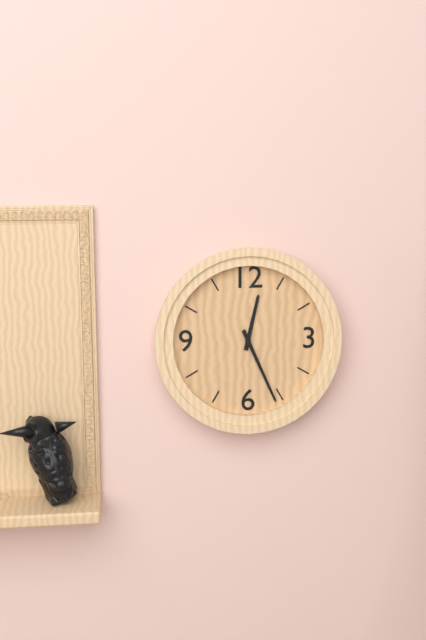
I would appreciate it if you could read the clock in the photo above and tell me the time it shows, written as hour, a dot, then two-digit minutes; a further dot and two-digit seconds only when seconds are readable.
12.26
